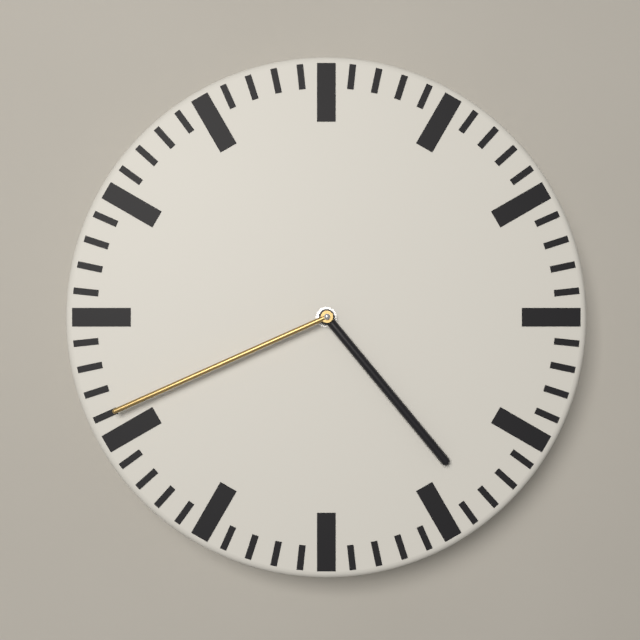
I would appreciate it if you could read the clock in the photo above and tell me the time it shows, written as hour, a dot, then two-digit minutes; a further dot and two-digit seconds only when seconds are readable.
4.41
